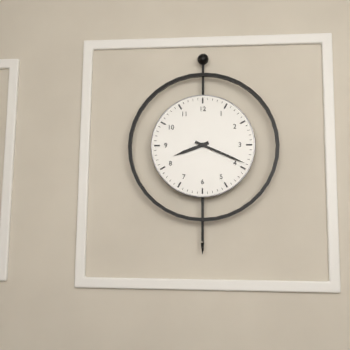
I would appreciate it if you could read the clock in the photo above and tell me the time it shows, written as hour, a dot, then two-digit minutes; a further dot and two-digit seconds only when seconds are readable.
8.19
